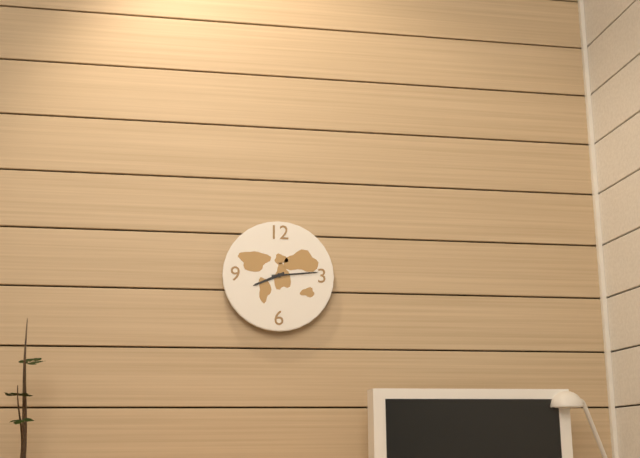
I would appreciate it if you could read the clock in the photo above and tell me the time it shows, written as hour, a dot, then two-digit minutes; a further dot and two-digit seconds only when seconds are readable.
8.14
